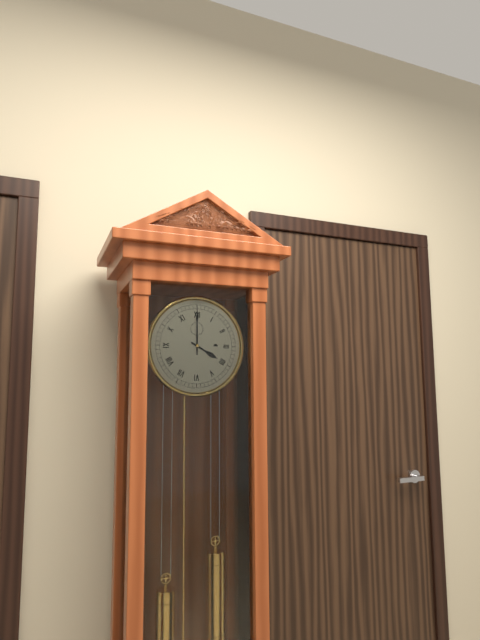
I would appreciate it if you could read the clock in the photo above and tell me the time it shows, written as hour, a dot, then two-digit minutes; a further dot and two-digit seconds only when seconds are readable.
4.00
